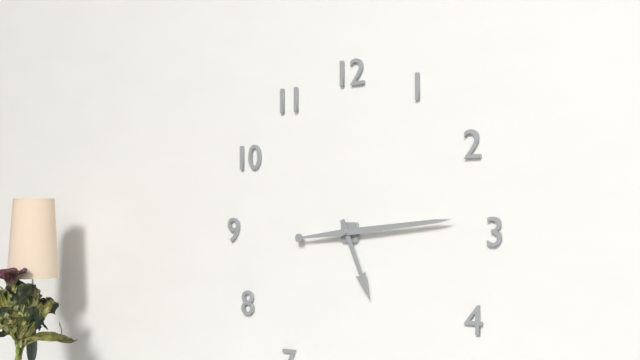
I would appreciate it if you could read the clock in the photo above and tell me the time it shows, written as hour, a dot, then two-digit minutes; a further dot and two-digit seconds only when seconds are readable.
5.14
